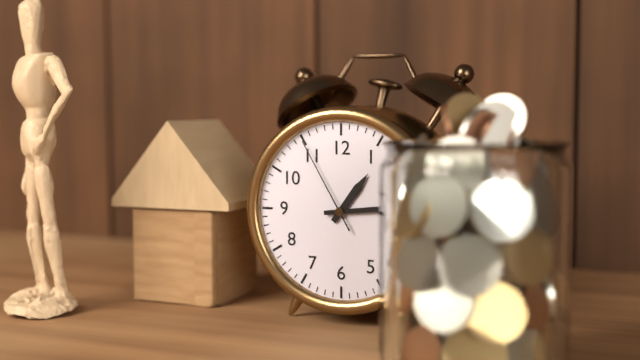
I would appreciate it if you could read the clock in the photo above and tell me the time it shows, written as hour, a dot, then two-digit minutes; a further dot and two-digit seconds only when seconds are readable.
1.14.55
